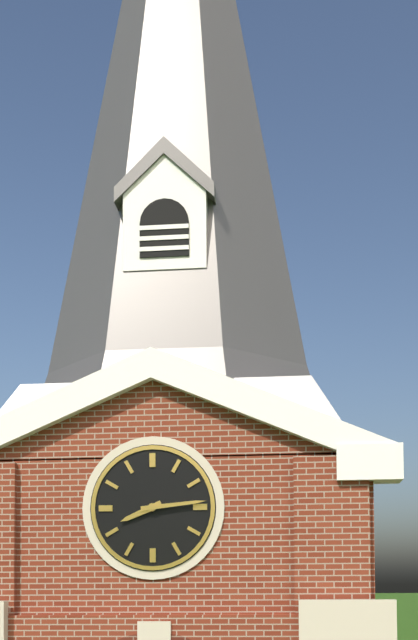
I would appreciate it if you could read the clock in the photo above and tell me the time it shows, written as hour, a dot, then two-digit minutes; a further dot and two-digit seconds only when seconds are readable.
8.14
